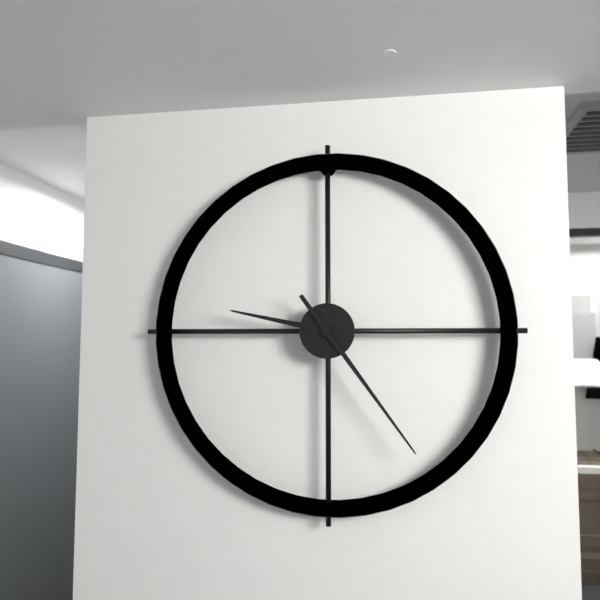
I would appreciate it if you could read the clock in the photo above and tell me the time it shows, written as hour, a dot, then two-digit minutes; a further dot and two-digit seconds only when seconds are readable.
9.24
